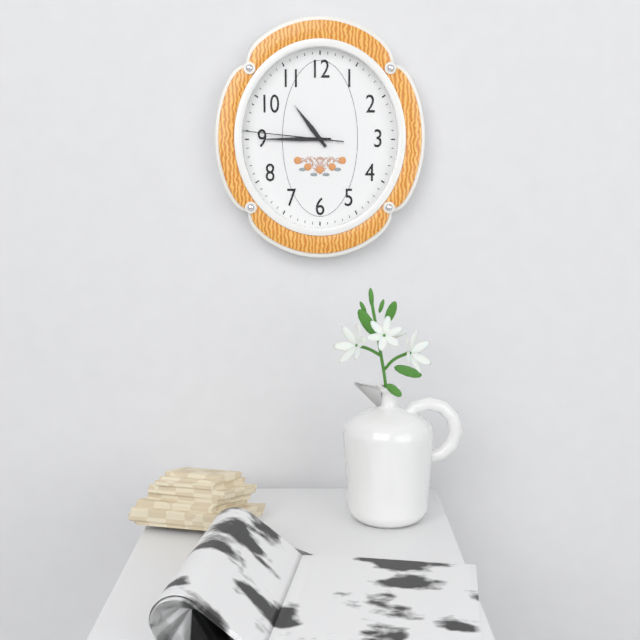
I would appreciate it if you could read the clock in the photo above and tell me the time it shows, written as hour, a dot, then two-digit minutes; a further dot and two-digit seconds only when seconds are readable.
10.45.46
